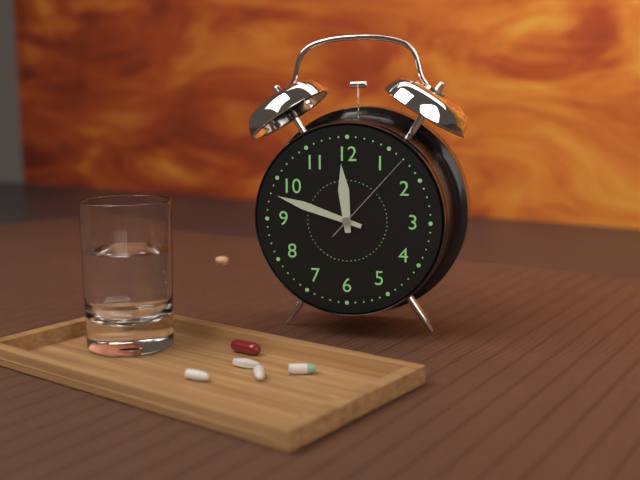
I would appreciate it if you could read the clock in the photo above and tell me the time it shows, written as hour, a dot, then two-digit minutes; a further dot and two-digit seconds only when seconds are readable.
11.48.07
